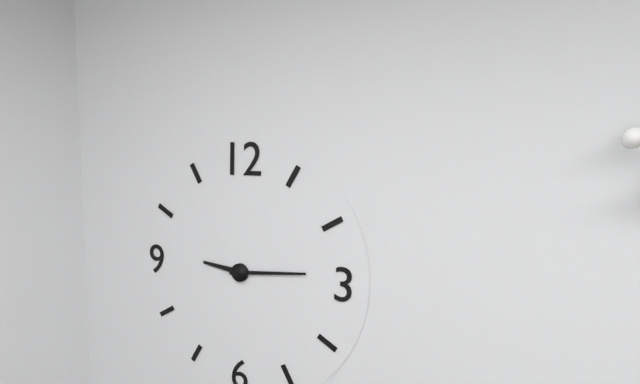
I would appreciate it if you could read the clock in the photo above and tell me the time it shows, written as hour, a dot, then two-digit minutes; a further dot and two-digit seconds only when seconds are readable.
9.14
